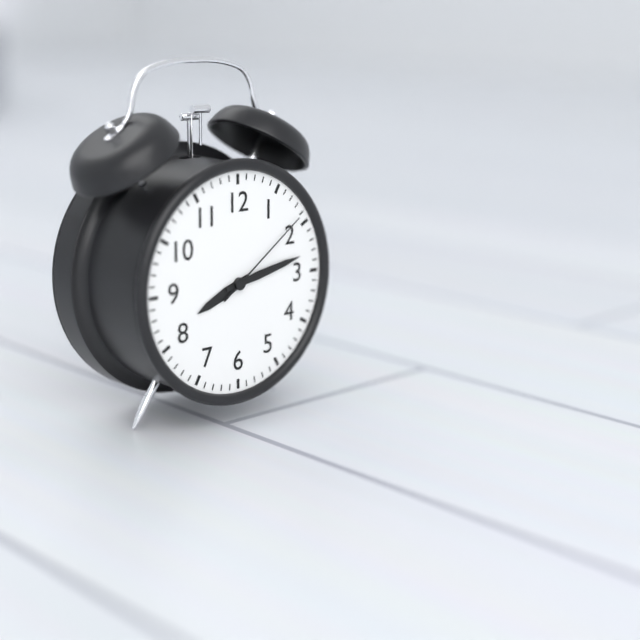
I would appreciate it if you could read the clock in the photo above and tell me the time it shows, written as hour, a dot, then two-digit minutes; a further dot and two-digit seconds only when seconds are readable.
8.13.09
